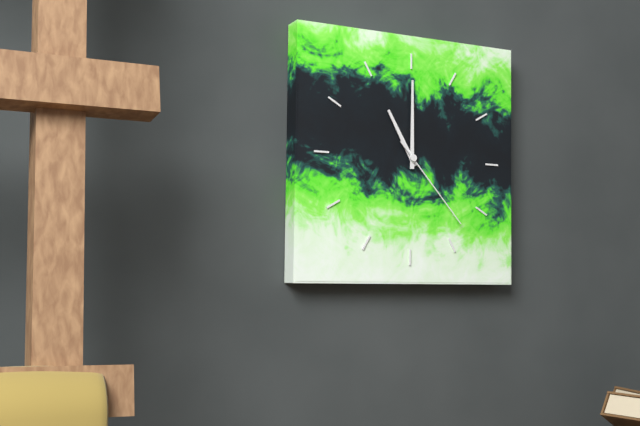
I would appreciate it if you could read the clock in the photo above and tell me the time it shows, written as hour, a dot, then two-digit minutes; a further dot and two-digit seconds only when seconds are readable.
11.00.23
